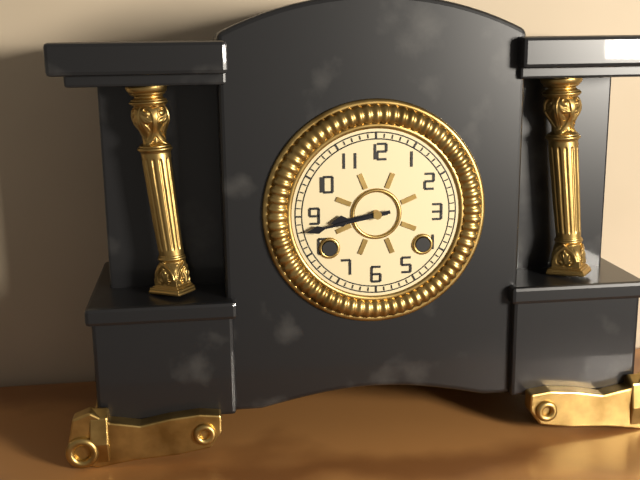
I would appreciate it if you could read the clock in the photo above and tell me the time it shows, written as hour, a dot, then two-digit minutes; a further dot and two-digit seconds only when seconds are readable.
8.43
